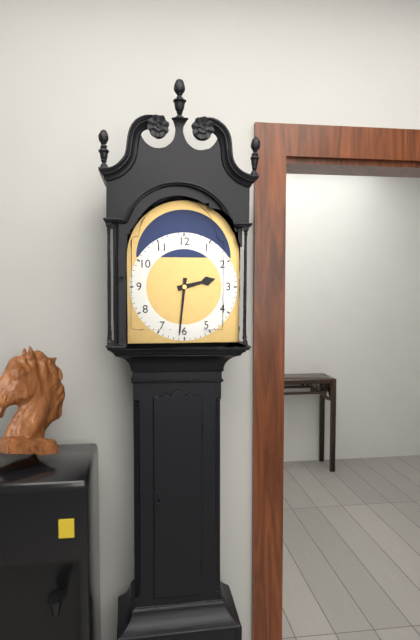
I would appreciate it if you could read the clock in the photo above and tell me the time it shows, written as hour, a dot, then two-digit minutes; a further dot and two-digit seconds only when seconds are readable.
2.31
